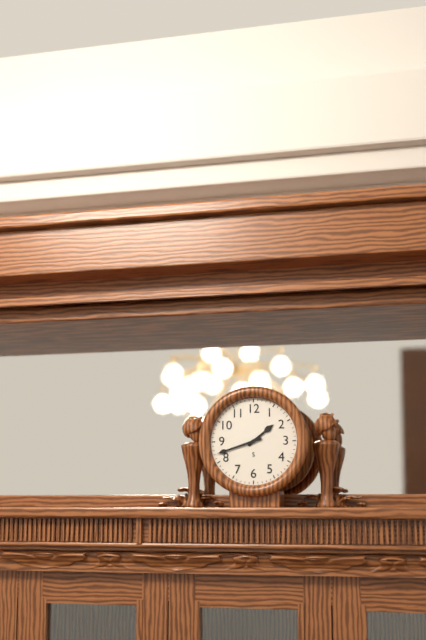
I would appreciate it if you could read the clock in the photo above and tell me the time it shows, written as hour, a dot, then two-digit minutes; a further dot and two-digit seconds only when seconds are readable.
1.42
